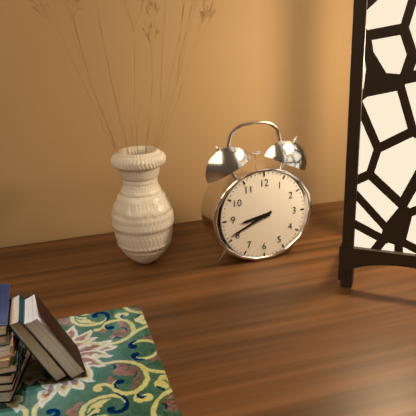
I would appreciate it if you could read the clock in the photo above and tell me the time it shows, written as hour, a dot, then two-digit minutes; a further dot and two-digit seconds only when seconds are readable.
8.41
